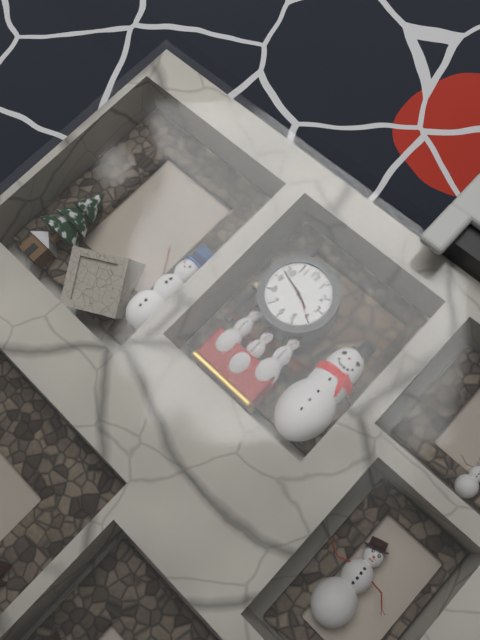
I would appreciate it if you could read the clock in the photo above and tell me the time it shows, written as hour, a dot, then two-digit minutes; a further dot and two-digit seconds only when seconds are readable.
3.48
